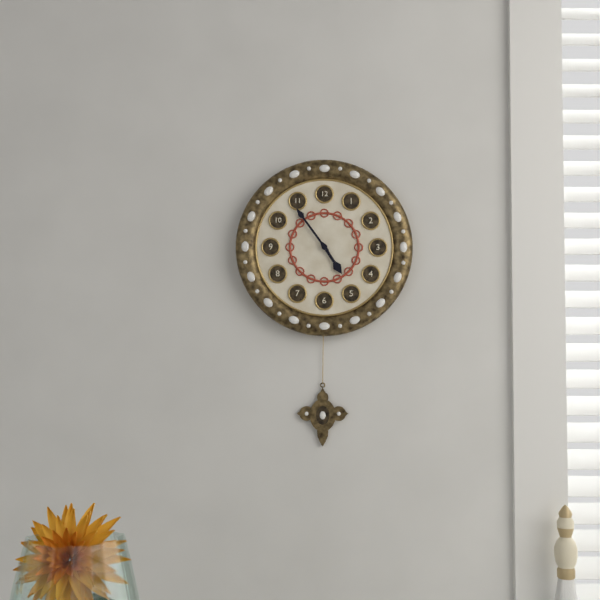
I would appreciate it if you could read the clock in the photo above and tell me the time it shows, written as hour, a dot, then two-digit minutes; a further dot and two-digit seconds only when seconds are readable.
4.54
